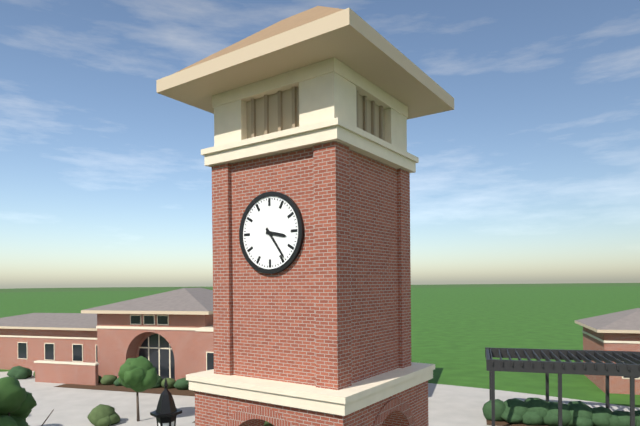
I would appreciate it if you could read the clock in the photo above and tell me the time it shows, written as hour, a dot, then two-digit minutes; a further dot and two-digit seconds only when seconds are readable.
3.24
